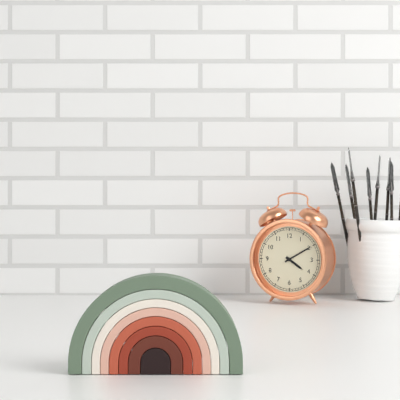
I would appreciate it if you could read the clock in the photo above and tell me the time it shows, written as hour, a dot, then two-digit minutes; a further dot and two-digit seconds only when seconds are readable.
4.10
